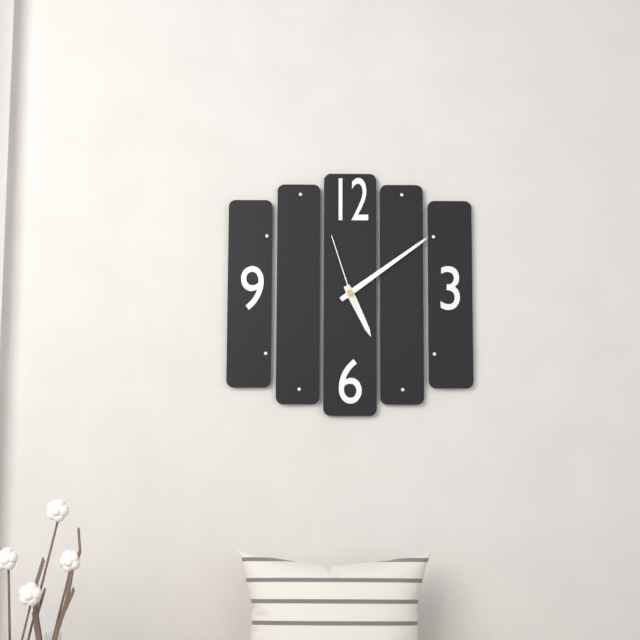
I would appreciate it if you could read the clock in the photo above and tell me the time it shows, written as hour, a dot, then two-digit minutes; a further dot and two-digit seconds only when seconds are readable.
5.09.57
